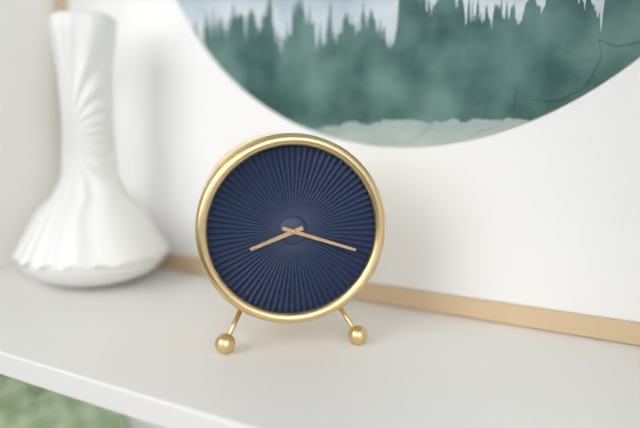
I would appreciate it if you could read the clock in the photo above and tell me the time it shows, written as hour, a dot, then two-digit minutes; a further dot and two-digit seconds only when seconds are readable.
8.18
